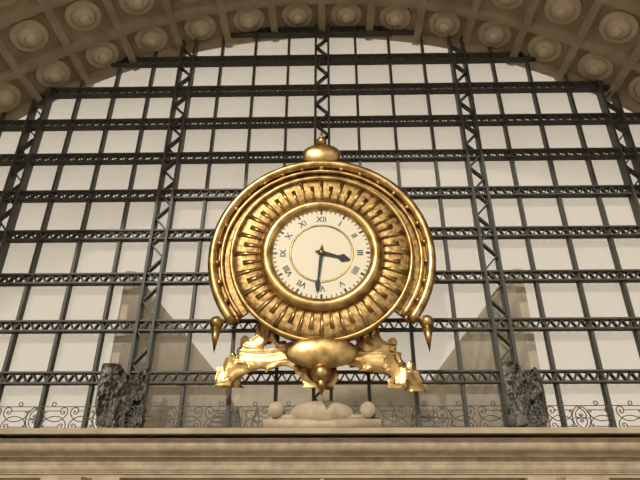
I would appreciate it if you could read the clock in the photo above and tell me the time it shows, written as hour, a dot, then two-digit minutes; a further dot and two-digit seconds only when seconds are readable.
3.31
